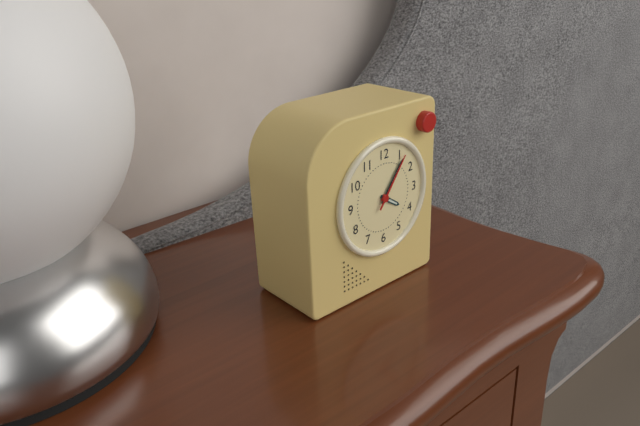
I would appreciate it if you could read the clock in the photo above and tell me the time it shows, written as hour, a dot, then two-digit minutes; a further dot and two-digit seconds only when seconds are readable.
4.06.06
